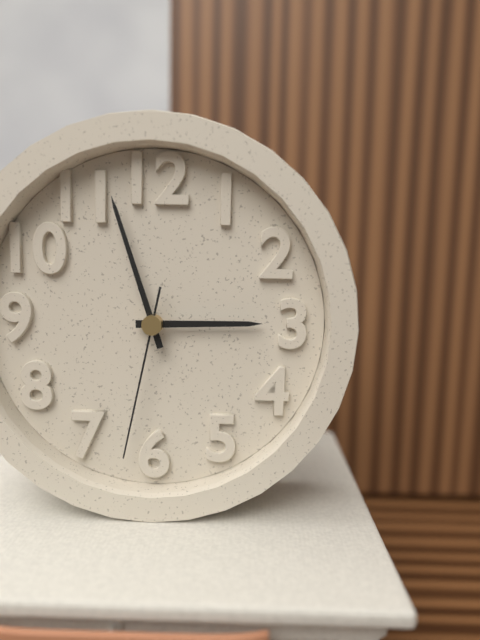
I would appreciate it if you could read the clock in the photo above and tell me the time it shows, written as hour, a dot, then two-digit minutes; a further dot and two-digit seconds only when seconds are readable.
2.57.32
